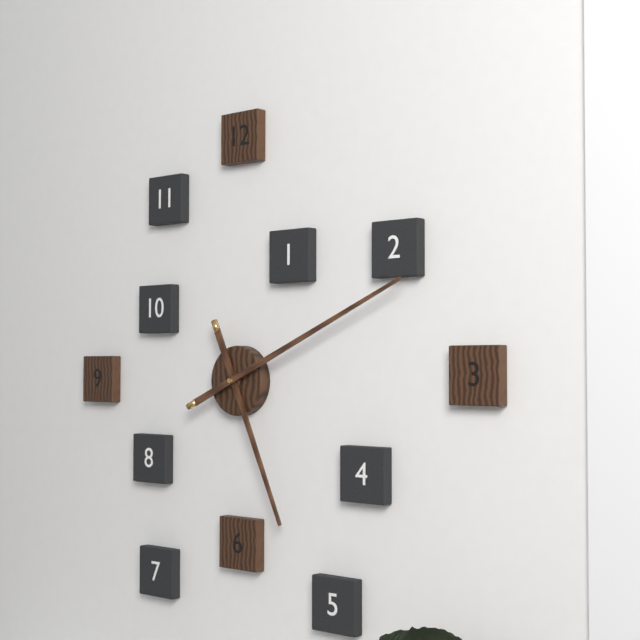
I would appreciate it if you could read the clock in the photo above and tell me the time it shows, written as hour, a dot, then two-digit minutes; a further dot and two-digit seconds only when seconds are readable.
5.11
